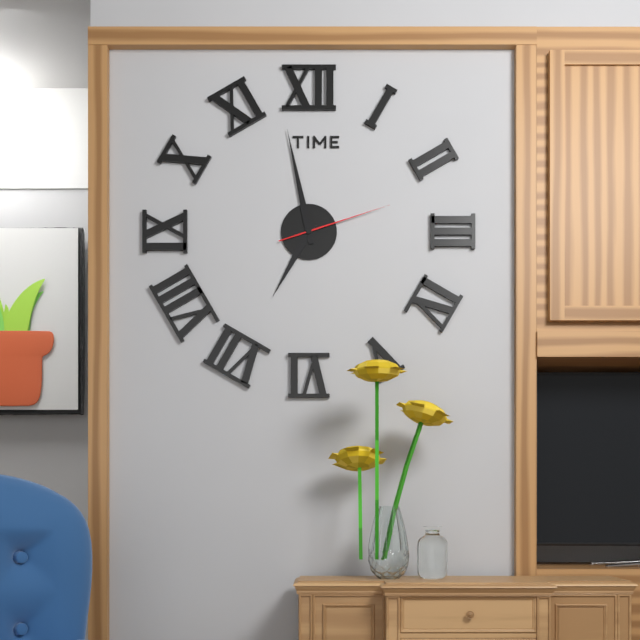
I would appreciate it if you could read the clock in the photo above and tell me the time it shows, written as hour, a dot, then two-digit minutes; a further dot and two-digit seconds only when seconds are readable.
6.58.12
